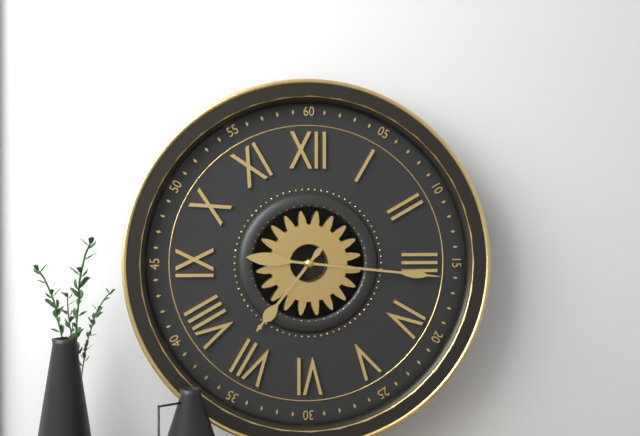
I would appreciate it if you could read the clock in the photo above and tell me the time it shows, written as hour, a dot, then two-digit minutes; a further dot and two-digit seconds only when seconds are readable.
7.16
